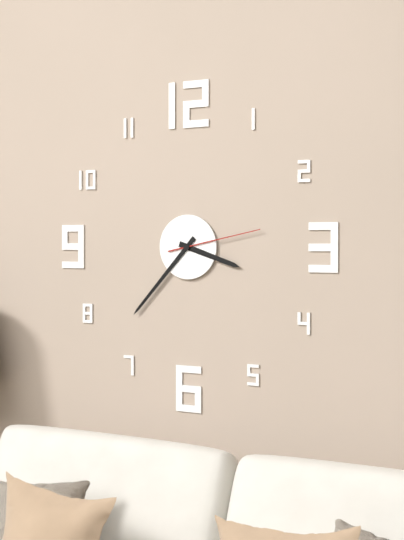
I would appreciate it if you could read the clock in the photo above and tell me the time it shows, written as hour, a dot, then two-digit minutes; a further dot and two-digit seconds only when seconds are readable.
3.37.13
